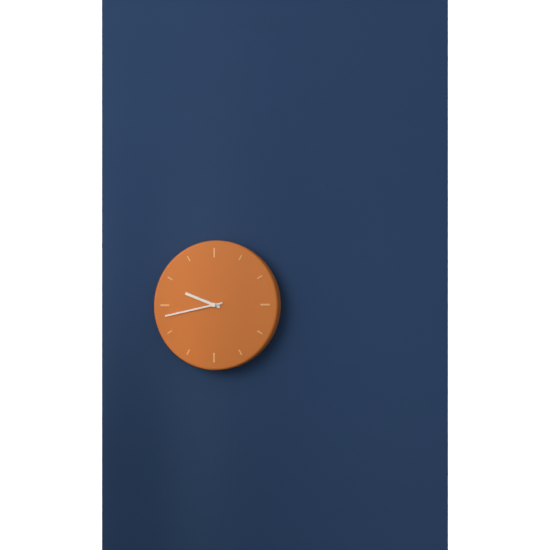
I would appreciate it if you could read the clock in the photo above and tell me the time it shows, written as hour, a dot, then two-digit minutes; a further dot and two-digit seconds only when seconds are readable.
9.43
